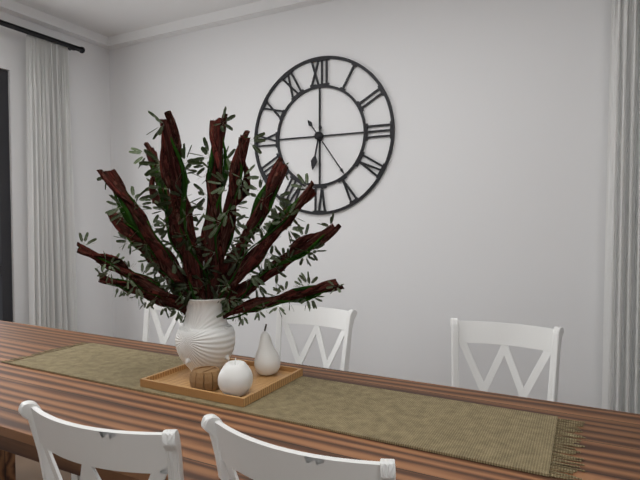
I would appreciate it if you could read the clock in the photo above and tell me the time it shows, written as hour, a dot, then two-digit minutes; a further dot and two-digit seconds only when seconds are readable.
6.24
